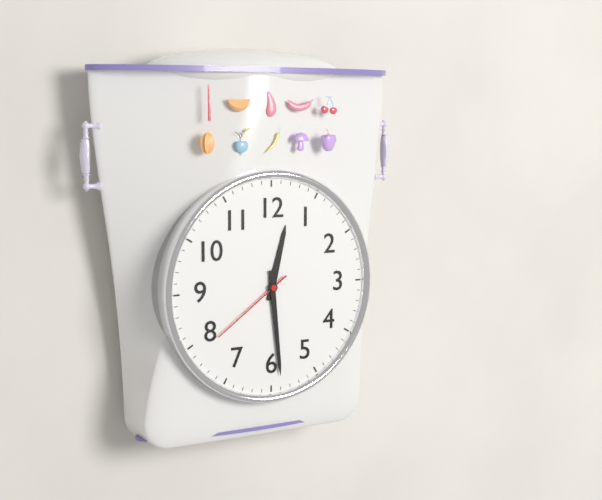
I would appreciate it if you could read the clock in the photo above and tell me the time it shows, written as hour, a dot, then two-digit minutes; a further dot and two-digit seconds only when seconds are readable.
12.29.39
